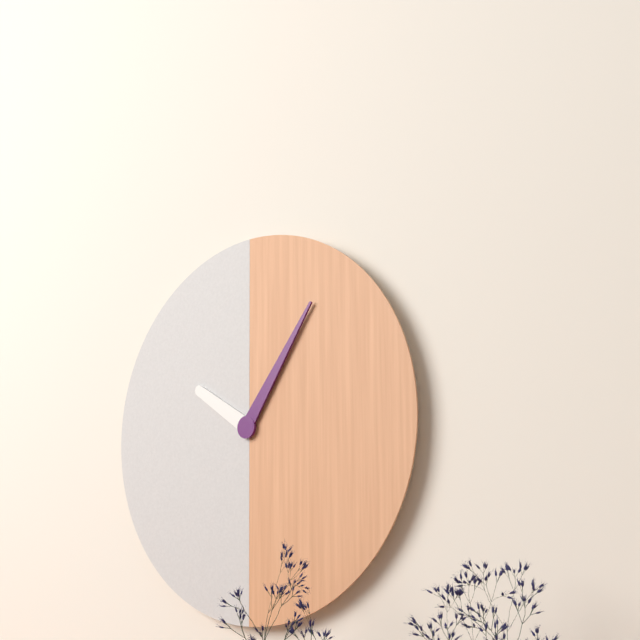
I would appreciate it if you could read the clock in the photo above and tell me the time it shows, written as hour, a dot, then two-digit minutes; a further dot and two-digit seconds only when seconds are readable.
10.06
